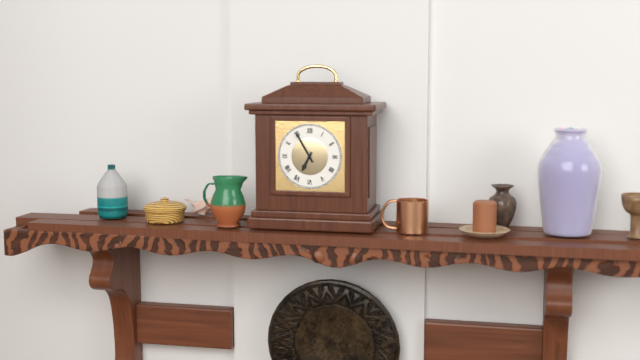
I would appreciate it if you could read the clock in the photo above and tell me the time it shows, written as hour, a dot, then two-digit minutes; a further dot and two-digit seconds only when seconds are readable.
6.55
